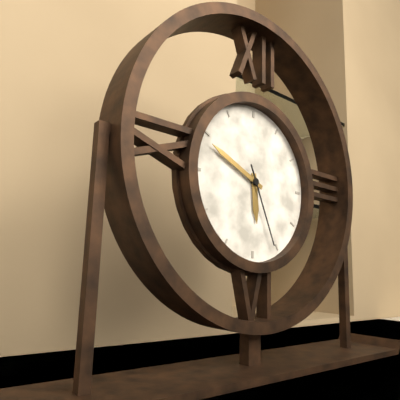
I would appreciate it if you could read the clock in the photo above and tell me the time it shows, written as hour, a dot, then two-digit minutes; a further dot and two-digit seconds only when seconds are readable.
5.49.26
